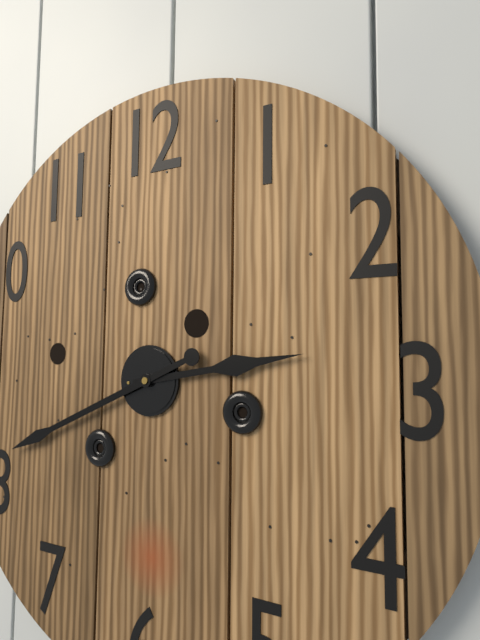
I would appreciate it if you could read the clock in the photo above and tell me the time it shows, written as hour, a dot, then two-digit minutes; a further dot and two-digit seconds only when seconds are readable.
2.41
